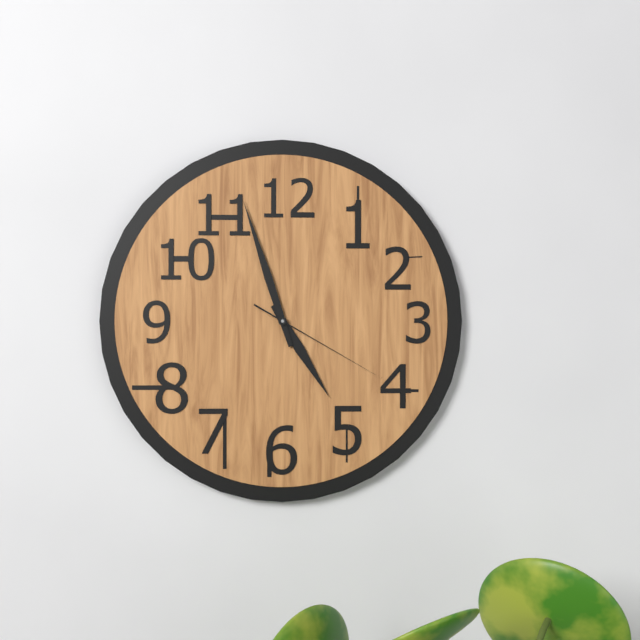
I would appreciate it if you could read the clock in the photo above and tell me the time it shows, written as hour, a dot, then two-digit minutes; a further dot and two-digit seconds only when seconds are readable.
4.57.20
